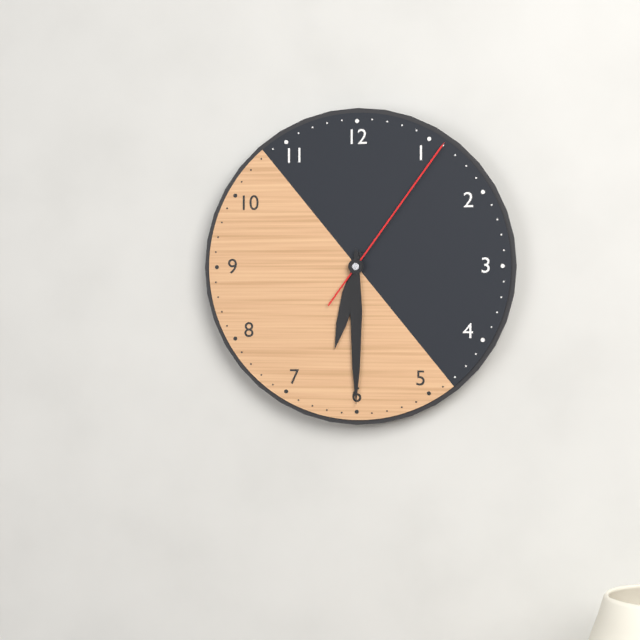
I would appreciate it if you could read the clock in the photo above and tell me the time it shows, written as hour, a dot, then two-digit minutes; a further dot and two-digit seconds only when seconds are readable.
6.30.06
